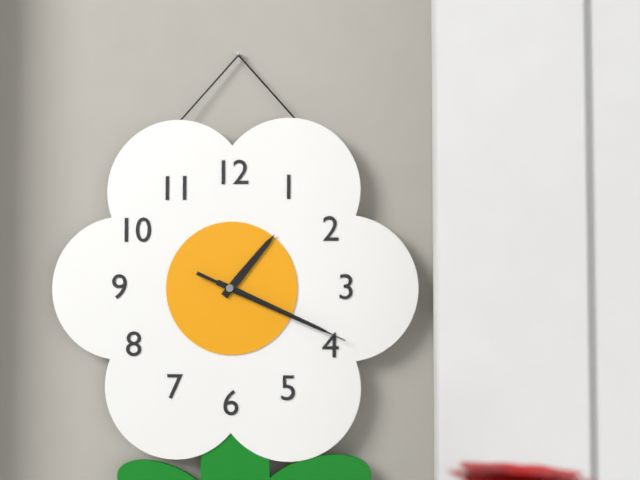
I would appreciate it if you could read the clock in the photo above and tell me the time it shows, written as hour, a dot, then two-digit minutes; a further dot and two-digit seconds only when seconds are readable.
1.19.19
